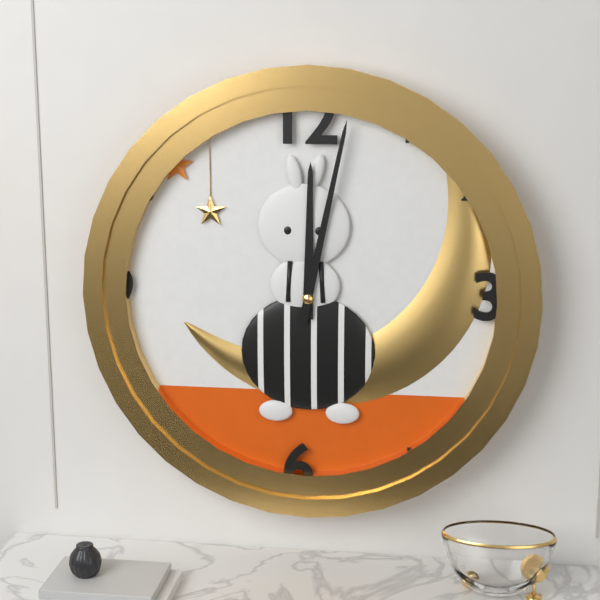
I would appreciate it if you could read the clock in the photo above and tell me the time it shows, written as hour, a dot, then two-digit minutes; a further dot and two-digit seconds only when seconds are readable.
12.02
